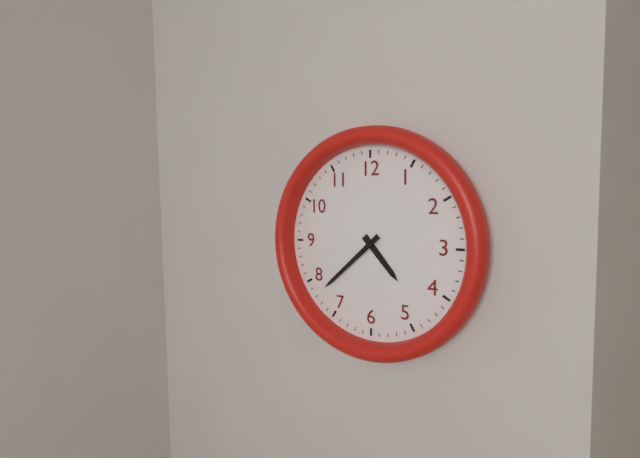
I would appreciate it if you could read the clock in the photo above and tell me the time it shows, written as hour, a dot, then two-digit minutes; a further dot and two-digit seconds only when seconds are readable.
4.38
